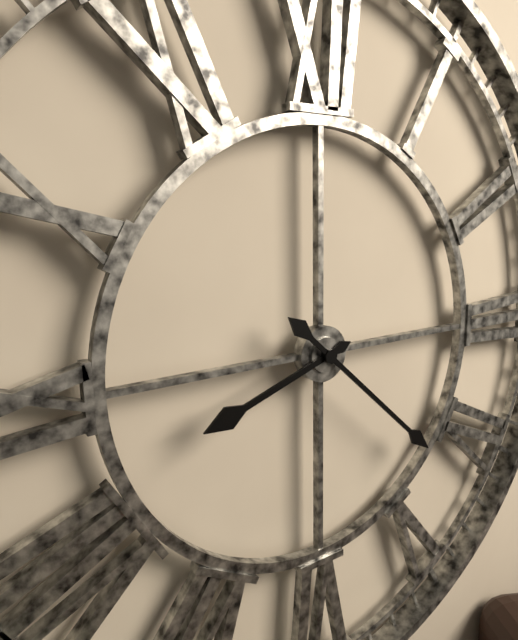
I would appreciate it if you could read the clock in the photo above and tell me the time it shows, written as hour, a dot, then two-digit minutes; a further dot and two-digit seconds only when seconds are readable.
8.22
